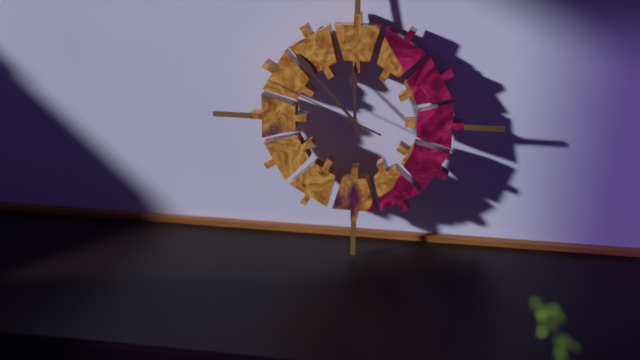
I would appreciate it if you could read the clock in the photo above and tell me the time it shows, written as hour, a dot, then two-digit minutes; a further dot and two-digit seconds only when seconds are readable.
11.53.49
